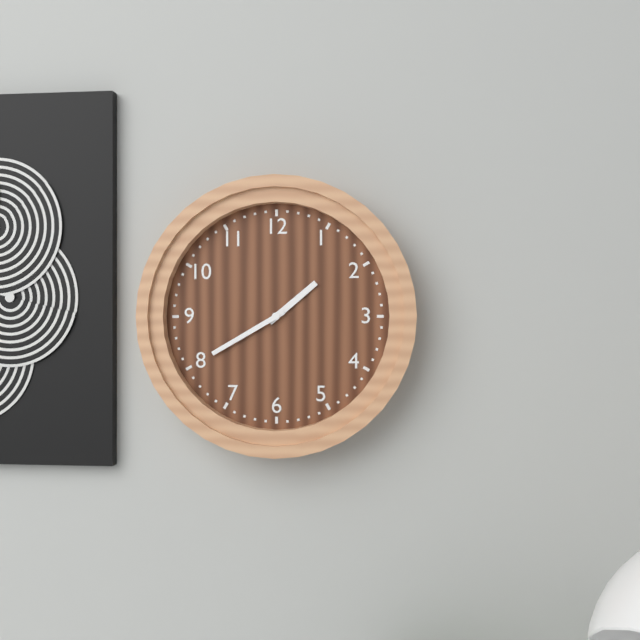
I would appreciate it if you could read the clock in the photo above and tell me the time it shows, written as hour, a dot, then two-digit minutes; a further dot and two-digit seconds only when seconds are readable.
1.40
